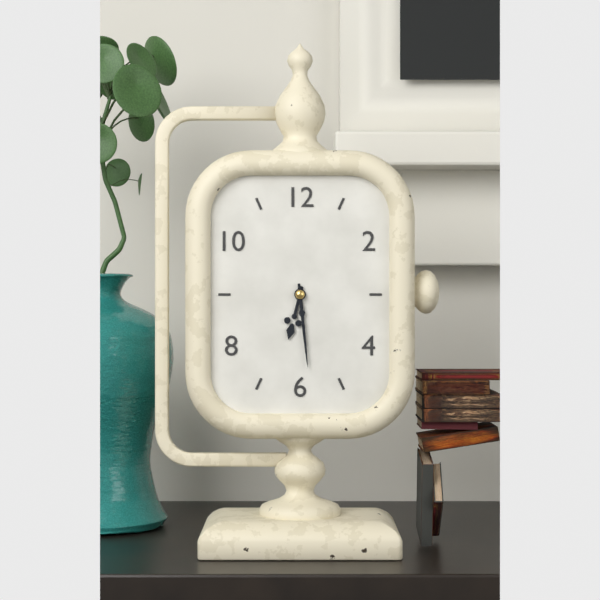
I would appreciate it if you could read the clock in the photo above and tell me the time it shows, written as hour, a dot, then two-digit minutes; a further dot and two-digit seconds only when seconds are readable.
6.29
